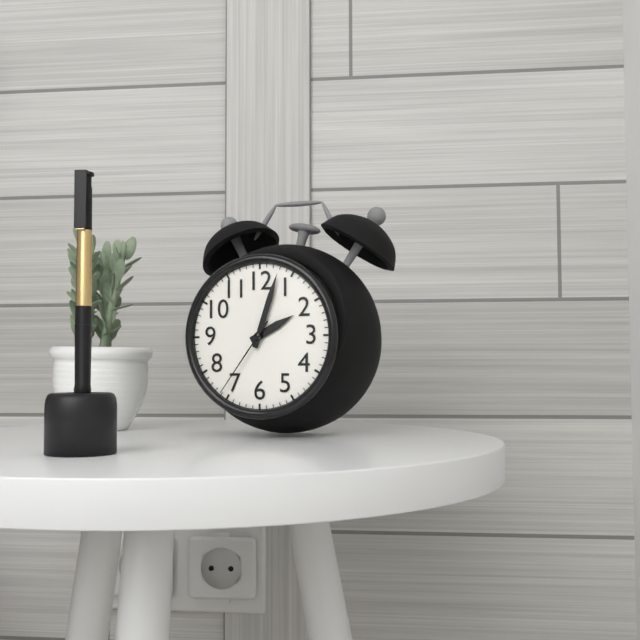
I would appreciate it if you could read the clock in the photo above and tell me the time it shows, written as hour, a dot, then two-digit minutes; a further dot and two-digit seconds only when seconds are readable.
2.03.36
